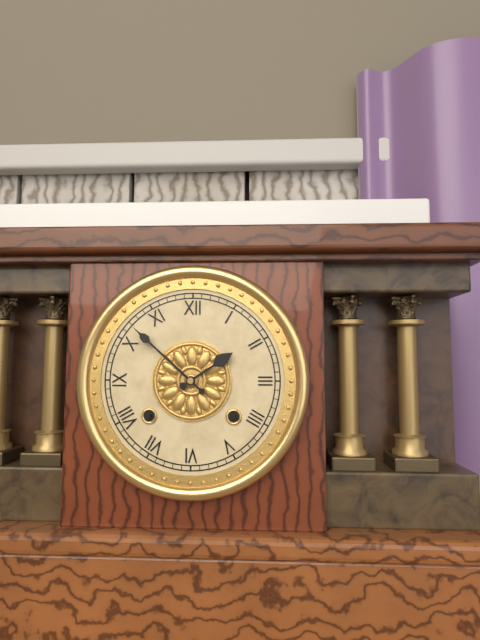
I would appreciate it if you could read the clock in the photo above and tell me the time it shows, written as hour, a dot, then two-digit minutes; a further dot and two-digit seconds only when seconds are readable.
1.52
